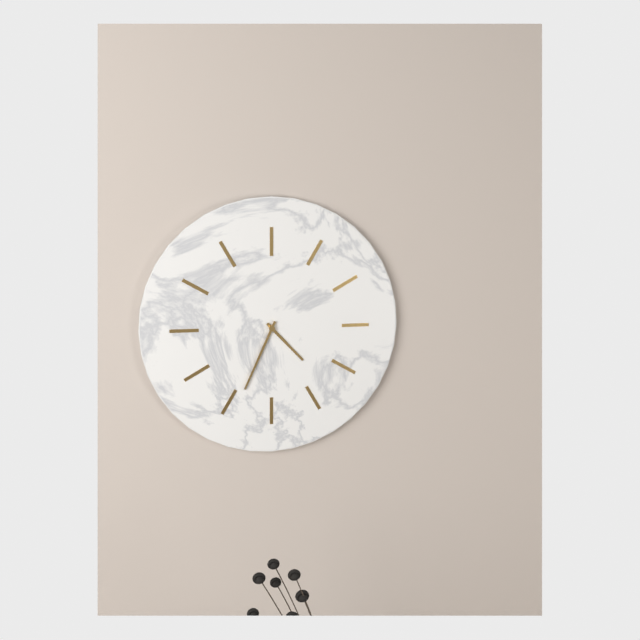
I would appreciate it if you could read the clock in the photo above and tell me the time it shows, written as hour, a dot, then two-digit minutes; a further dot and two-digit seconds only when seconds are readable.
4.34
